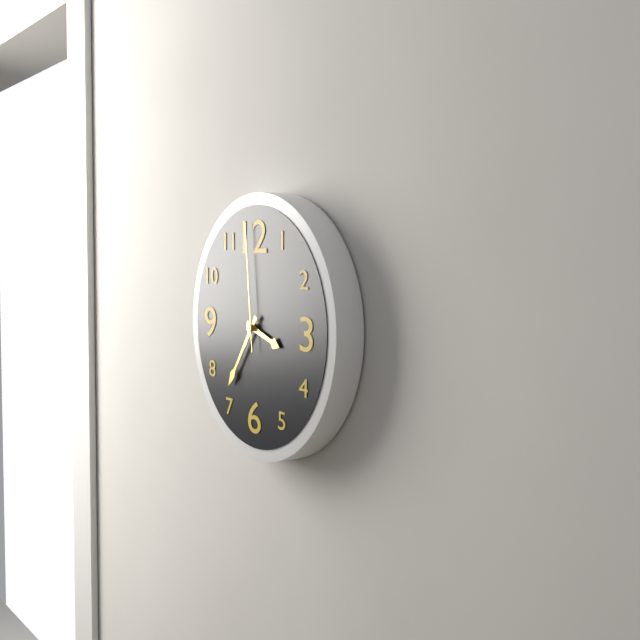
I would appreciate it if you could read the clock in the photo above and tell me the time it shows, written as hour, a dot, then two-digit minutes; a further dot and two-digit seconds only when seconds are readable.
3.36.59
